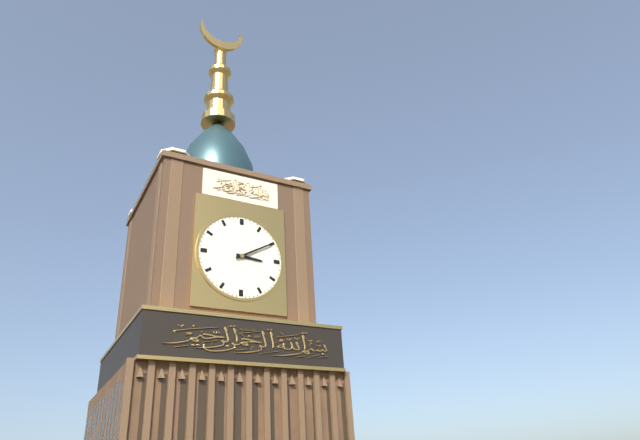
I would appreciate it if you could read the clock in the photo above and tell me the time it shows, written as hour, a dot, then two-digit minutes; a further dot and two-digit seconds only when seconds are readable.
3.10
